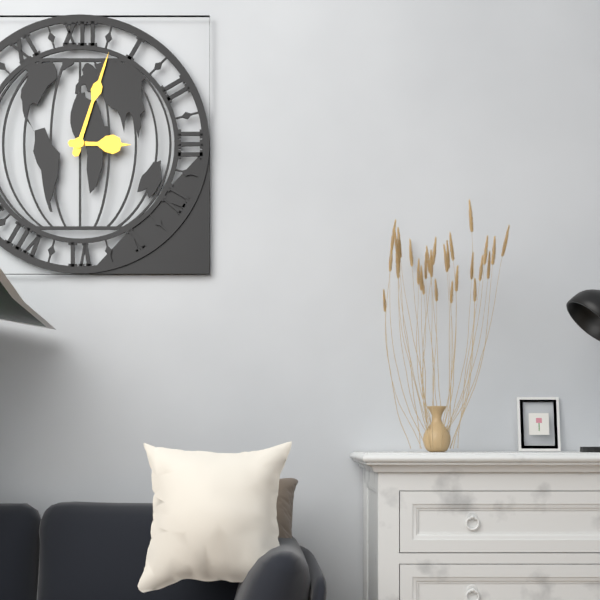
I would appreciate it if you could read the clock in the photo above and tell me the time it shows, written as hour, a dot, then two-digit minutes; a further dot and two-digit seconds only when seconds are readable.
3.03
